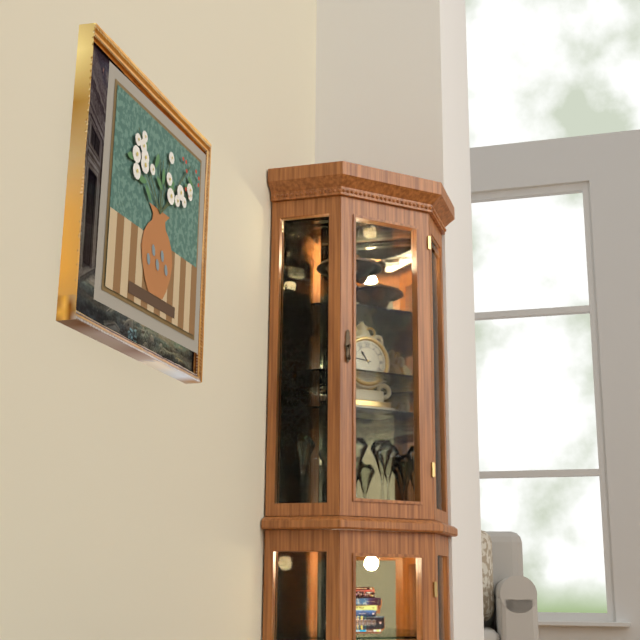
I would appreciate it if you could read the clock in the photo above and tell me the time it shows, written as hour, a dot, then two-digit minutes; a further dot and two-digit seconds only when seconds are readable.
10.46
